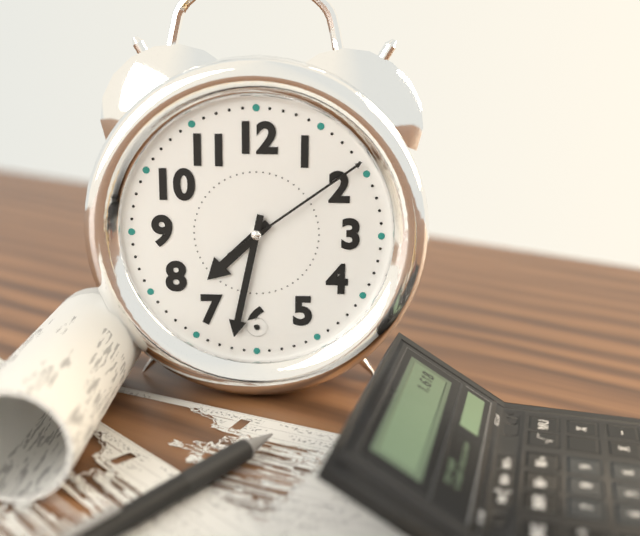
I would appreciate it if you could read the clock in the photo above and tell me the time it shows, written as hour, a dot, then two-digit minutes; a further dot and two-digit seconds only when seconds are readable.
7.32.09
